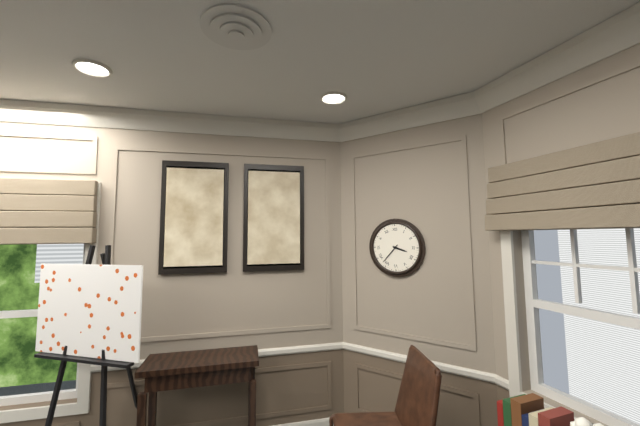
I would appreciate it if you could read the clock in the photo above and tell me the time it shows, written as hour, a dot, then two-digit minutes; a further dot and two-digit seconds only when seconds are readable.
3.37
